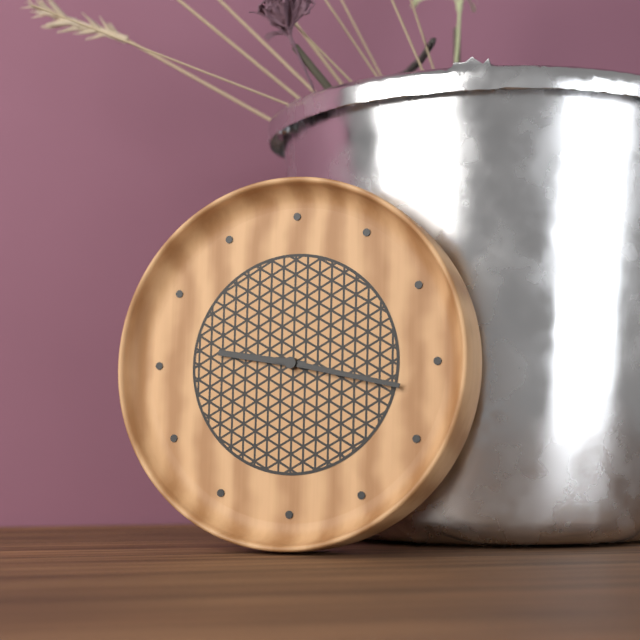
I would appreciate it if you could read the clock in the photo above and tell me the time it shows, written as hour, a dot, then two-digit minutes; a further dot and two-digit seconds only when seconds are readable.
9.17
